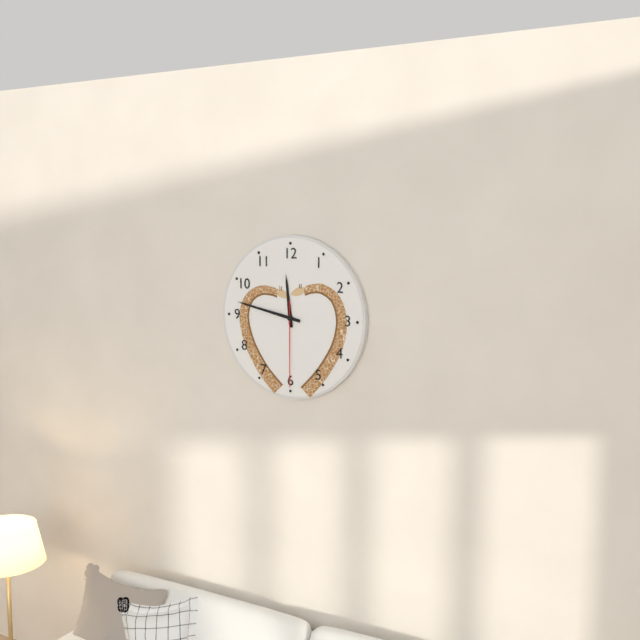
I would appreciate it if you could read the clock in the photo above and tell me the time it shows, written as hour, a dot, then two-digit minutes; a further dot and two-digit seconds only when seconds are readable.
11.47.30
